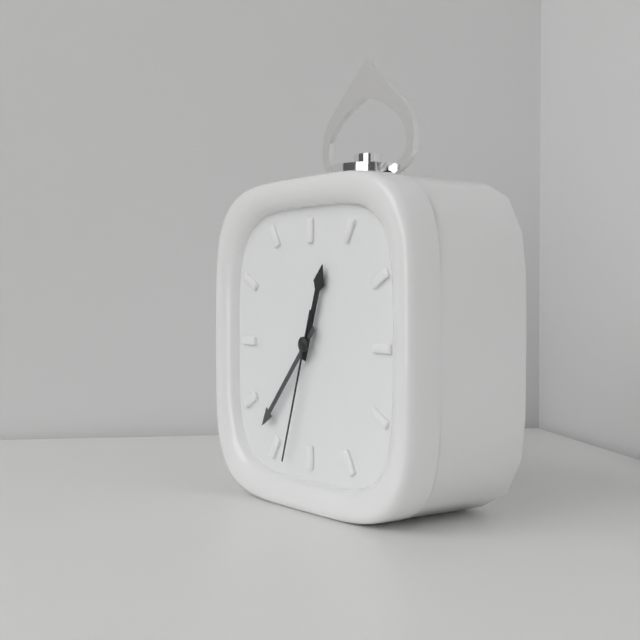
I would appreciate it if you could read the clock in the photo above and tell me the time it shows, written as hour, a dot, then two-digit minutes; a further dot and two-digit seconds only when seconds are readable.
12.37.33
